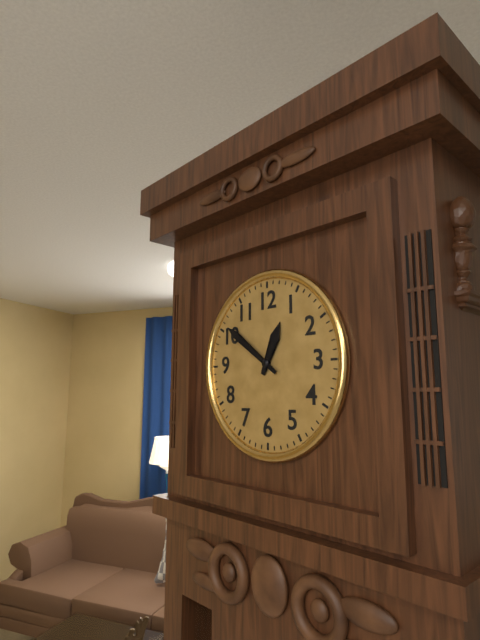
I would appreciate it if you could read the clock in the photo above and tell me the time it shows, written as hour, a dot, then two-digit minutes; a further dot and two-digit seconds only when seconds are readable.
12.51
